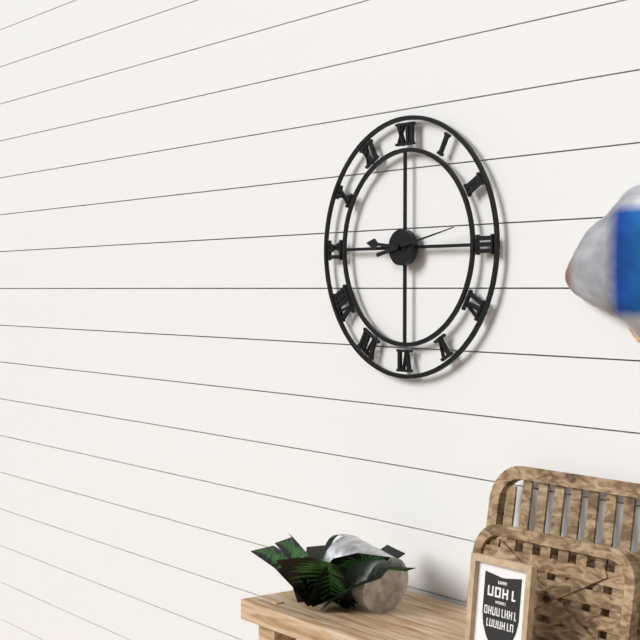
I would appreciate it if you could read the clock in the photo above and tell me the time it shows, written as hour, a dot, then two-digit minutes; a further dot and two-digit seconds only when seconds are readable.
9.13
